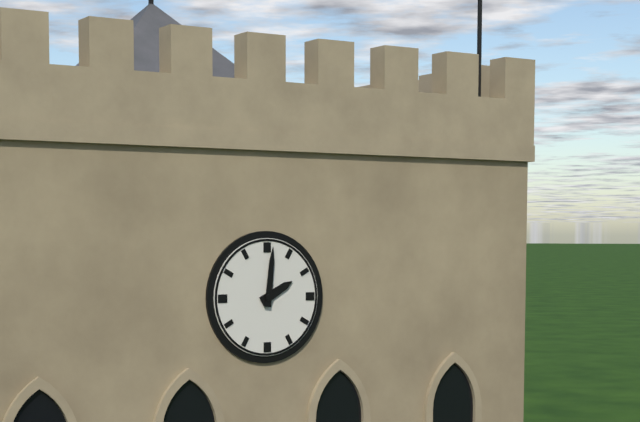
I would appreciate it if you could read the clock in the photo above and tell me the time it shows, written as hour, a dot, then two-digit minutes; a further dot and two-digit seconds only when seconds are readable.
2.01
